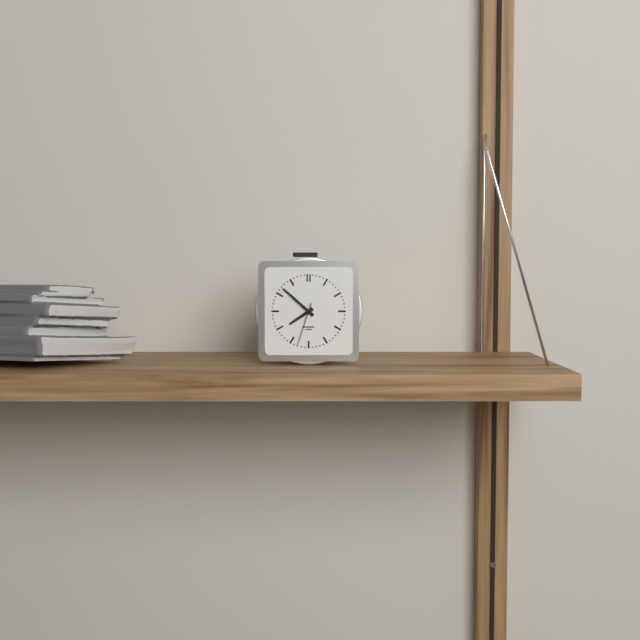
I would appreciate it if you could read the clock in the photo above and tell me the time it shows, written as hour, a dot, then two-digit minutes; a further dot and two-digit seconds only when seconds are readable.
7.52
